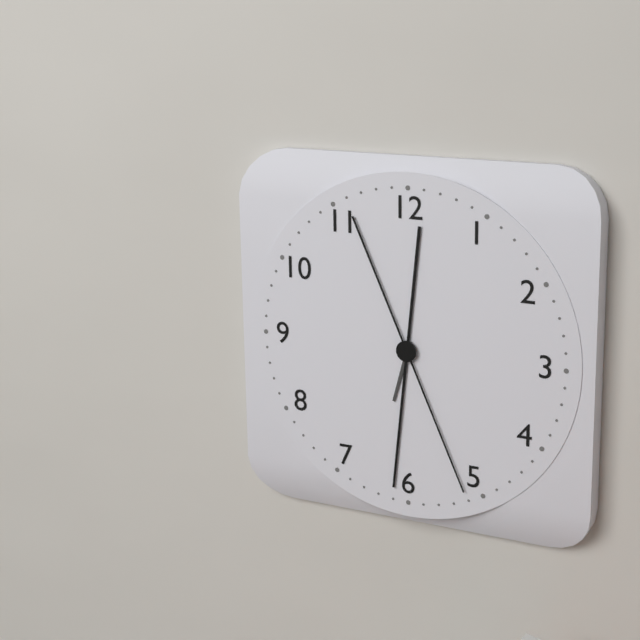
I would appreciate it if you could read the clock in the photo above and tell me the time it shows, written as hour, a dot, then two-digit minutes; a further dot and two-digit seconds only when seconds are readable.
6.31.26
